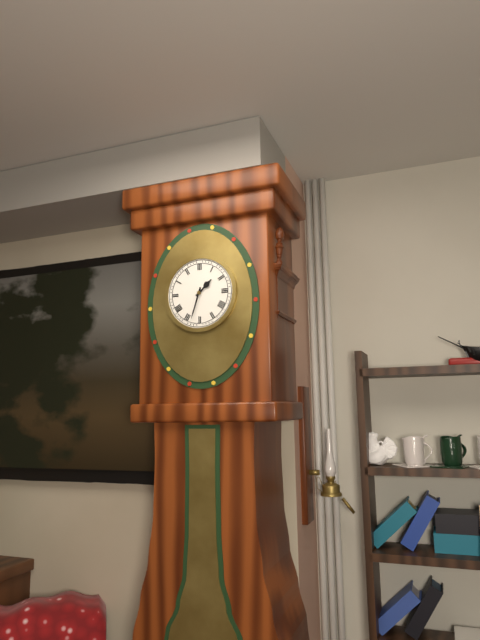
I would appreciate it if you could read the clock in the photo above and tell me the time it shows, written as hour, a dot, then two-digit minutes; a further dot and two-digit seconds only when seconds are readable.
1.33
